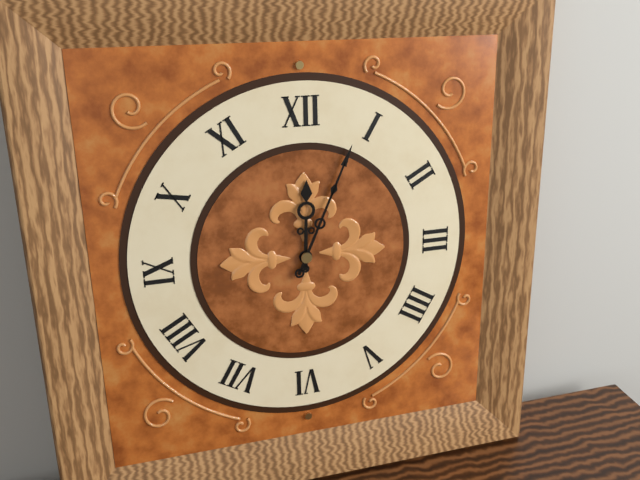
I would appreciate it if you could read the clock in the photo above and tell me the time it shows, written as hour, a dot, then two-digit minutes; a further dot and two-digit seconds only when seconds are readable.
12.04
